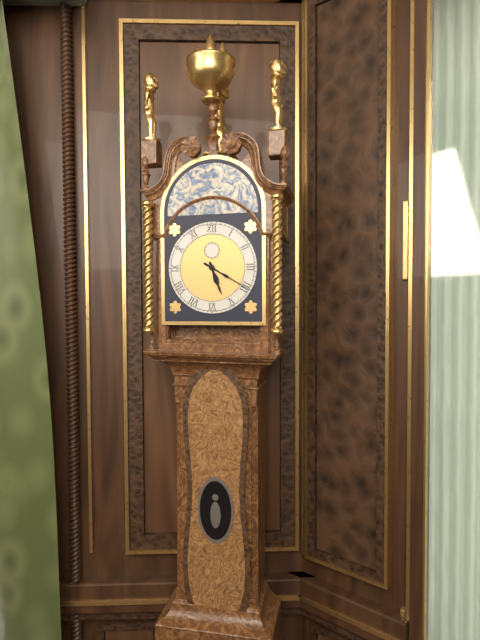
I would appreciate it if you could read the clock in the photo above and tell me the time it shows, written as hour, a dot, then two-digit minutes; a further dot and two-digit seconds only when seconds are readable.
5.20
